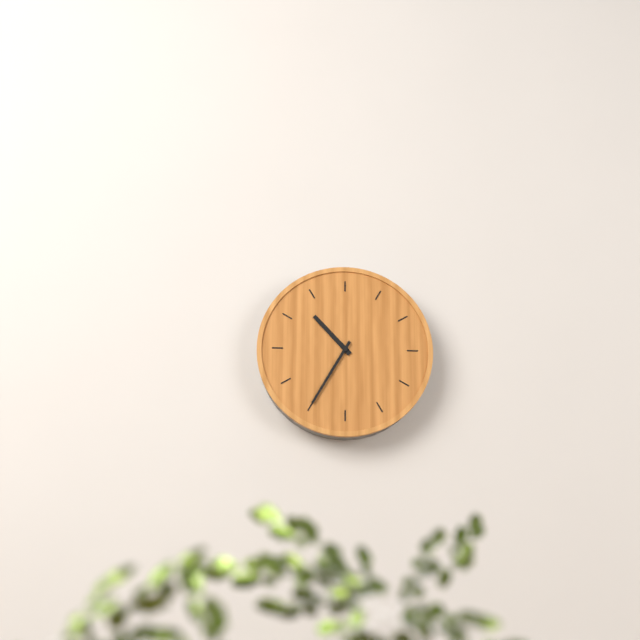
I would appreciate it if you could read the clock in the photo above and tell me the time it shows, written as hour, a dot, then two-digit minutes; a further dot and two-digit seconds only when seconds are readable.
10.35
